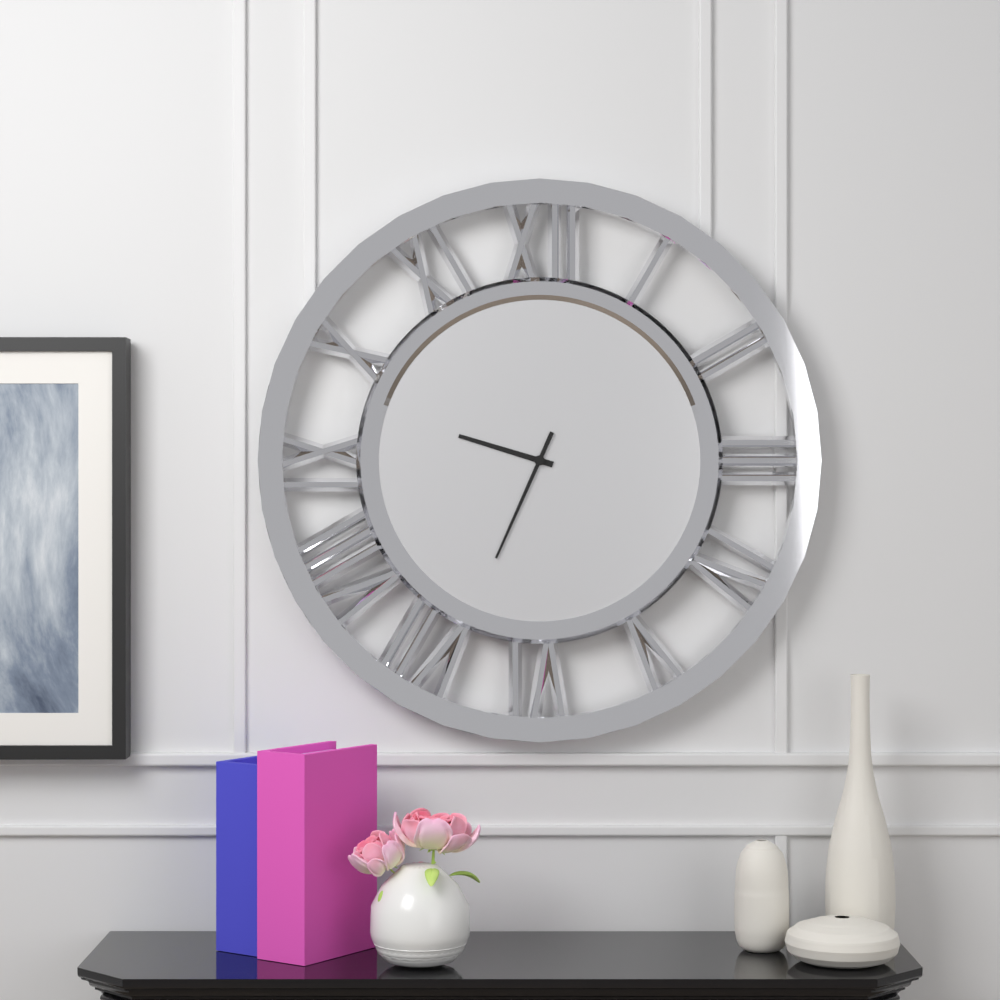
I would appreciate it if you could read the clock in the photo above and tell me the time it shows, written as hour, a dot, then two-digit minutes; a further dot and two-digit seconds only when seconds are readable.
9.34
